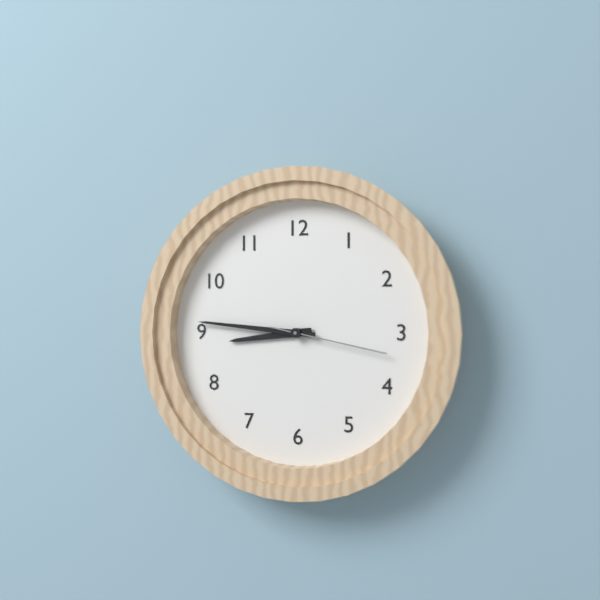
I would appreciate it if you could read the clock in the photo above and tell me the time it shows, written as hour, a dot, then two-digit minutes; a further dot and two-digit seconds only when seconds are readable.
8.46.17
